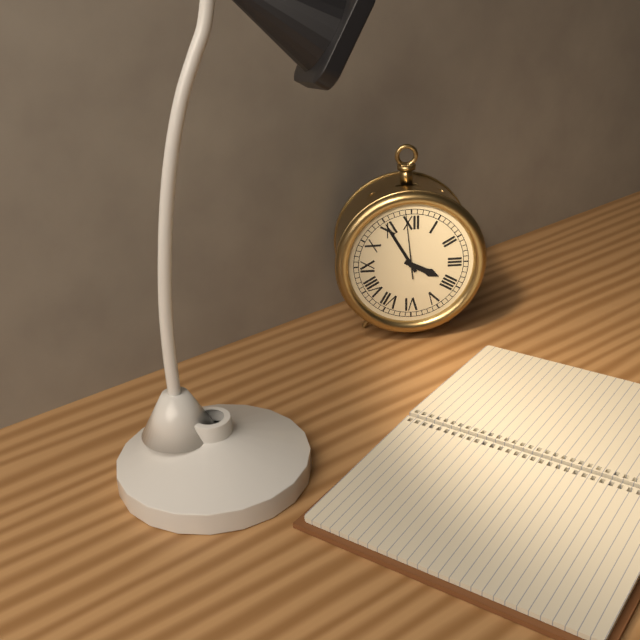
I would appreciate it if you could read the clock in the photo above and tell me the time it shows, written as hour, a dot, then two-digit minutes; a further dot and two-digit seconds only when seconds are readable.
3.55.59
